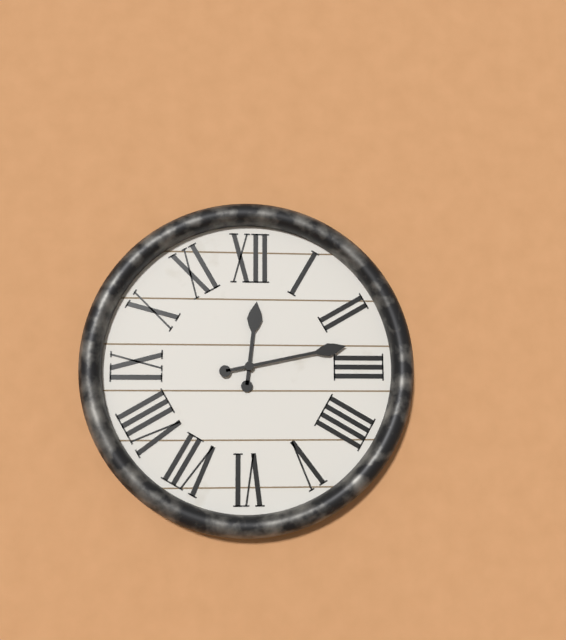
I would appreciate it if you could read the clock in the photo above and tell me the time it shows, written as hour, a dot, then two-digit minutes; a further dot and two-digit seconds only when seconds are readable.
12.13
